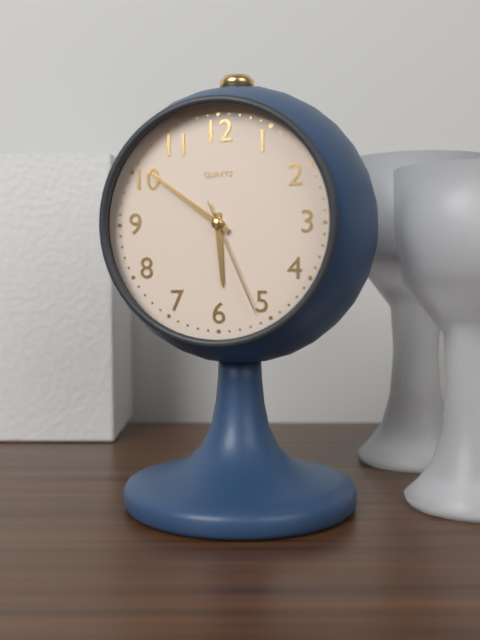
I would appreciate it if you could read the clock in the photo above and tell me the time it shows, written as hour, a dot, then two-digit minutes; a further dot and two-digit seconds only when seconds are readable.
5.51.26
